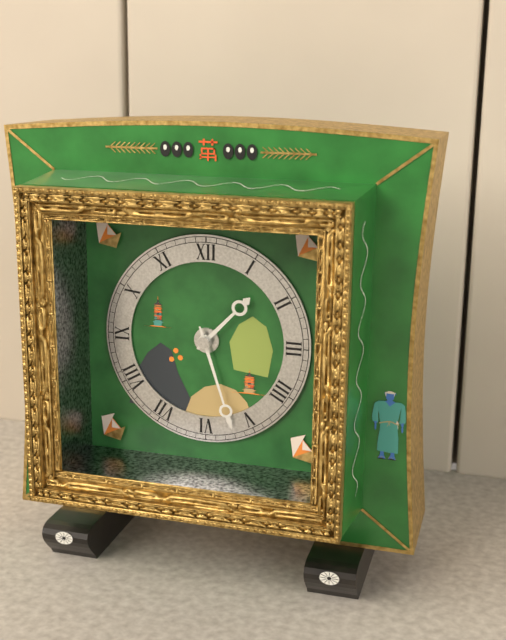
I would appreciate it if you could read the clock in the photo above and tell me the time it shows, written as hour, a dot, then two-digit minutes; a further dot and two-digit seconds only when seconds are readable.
1.27
